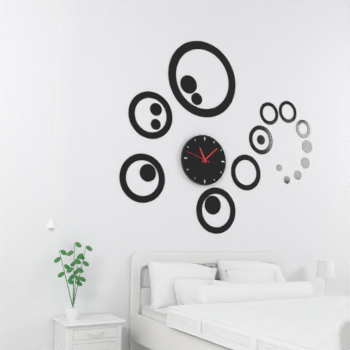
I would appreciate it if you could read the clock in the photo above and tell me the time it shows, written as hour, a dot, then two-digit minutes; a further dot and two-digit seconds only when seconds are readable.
11.08
